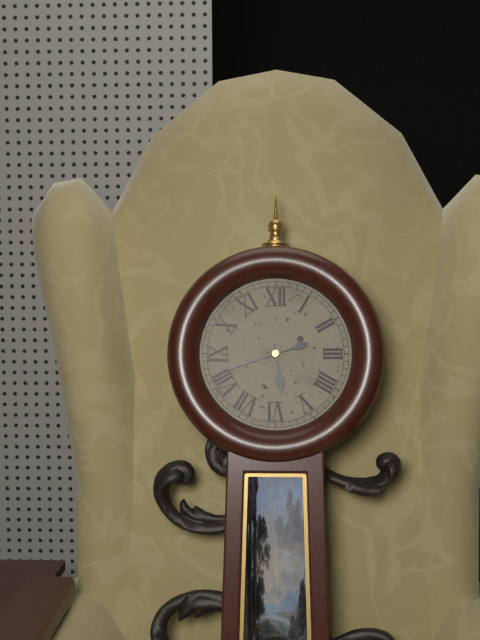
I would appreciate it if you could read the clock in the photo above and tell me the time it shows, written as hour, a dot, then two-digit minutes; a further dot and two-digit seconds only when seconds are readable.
5.42
